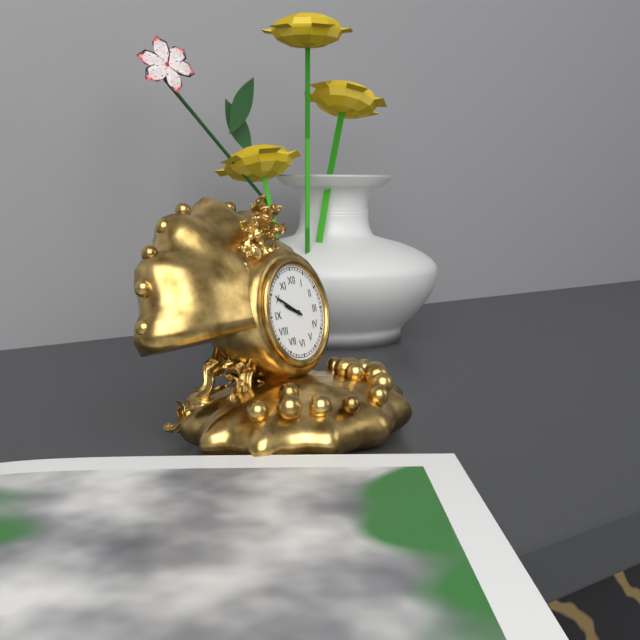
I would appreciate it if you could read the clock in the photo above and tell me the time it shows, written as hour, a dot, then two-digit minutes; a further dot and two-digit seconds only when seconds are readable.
9.50
